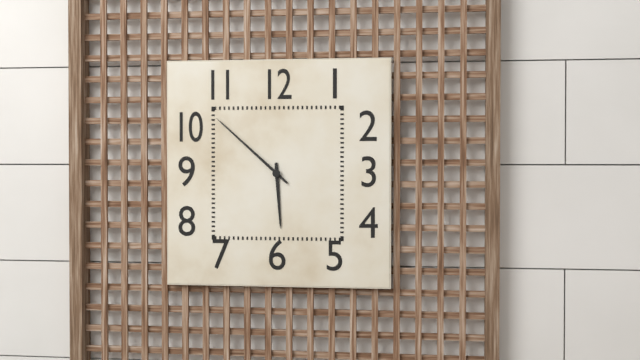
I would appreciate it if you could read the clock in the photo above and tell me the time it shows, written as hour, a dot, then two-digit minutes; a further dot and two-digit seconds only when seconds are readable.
5.52
